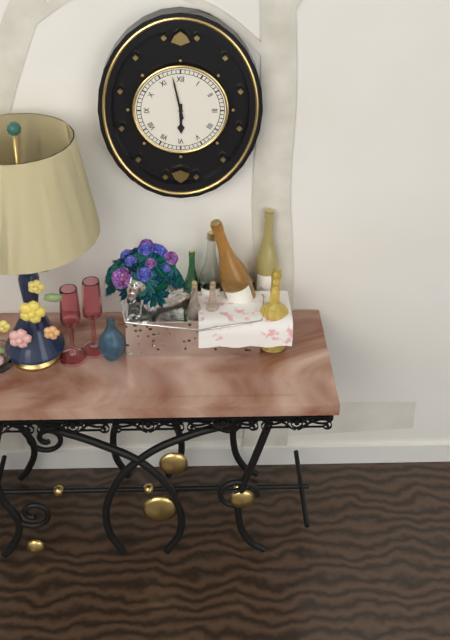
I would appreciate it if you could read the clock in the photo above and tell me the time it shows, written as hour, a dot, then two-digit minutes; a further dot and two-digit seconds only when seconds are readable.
5.58
